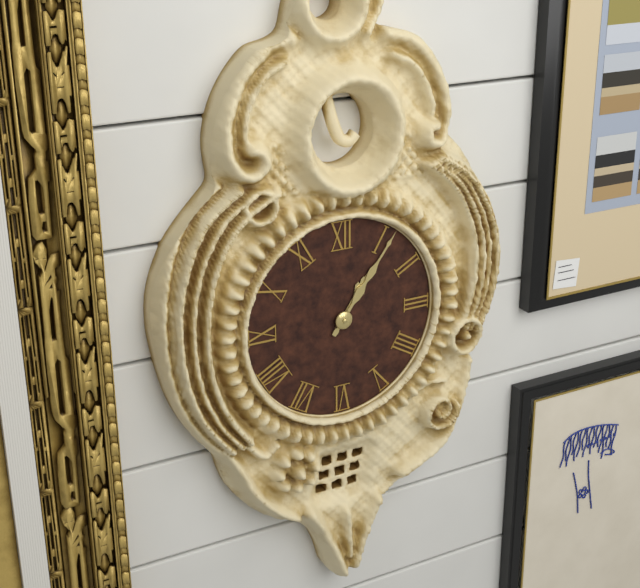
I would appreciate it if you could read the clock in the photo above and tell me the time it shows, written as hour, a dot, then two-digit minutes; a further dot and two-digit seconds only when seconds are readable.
1.06
